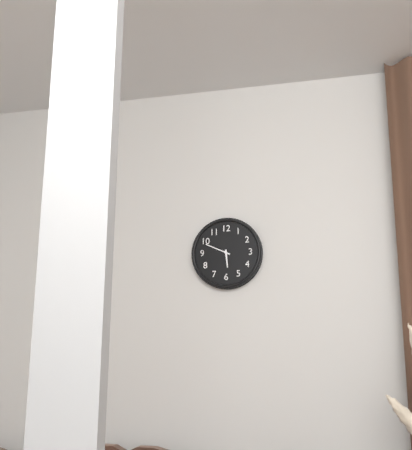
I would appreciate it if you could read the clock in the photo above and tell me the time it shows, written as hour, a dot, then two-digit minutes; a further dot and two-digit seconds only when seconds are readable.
5.49
